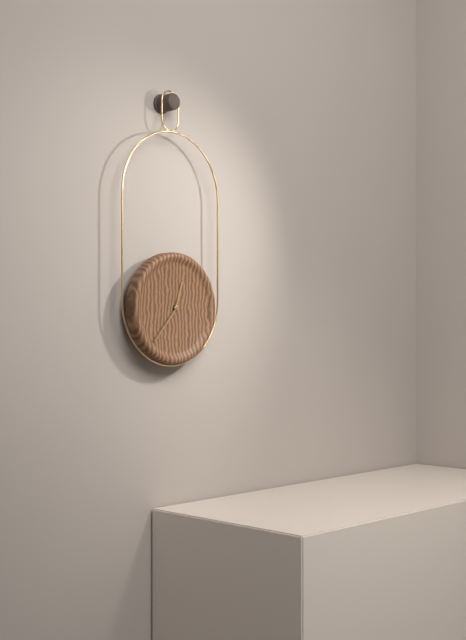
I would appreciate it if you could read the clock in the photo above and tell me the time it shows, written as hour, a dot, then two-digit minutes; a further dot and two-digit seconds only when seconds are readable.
12.37
